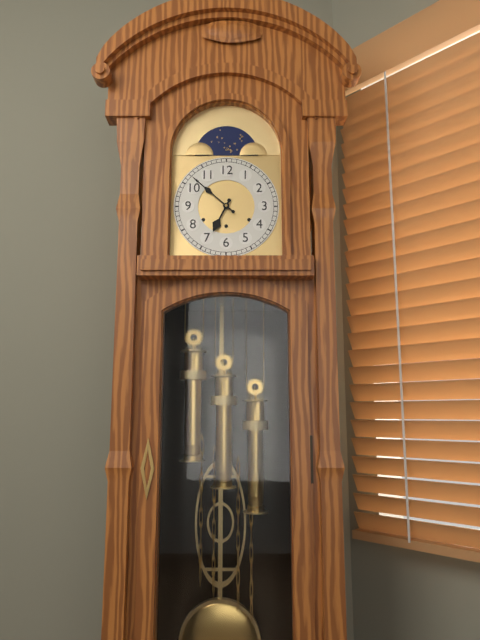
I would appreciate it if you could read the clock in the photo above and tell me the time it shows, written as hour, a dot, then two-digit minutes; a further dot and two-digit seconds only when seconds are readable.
6.52
